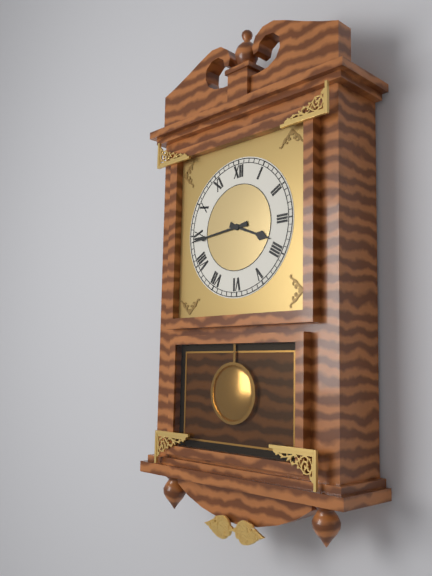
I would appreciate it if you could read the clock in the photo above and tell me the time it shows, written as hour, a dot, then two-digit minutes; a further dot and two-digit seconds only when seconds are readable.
3.44
